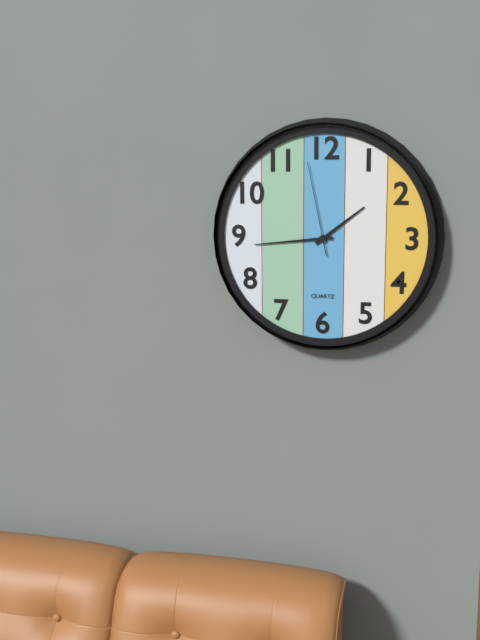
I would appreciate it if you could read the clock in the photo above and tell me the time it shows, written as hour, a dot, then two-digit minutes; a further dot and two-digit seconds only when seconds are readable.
1.44.58
